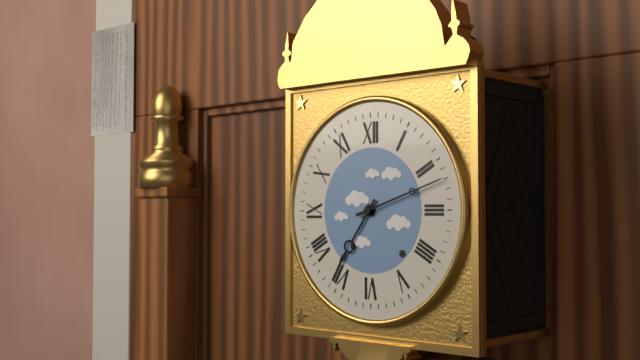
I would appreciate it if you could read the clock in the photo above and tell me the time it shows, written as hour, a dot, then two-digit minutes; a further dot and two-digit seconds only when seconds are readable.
7.12
